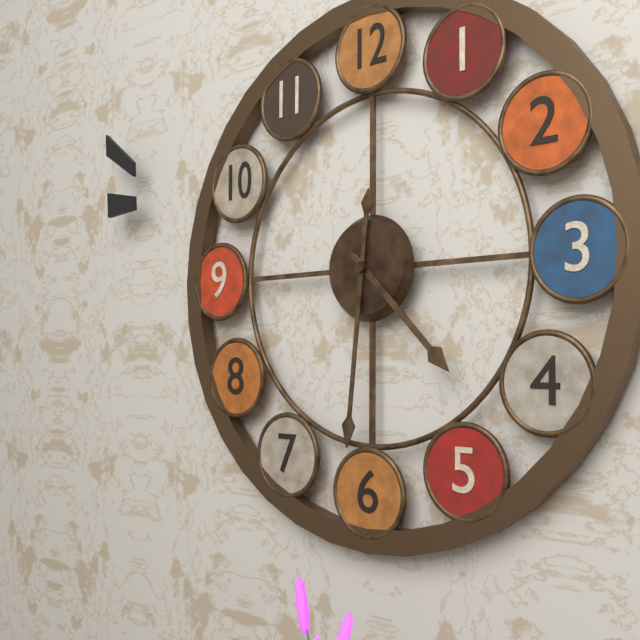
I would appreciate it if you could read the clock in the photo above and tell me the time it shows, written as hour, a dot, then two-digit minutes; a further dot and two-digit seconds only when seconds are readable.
4.31
